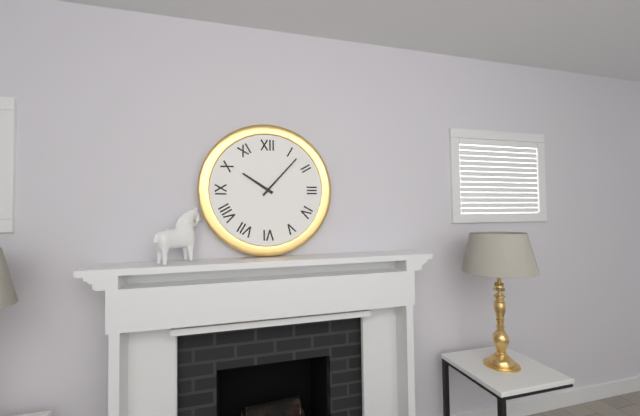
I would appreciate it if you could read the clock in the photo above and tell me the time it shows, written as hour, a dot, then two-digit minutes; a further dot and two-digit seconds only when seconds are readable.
10.07
